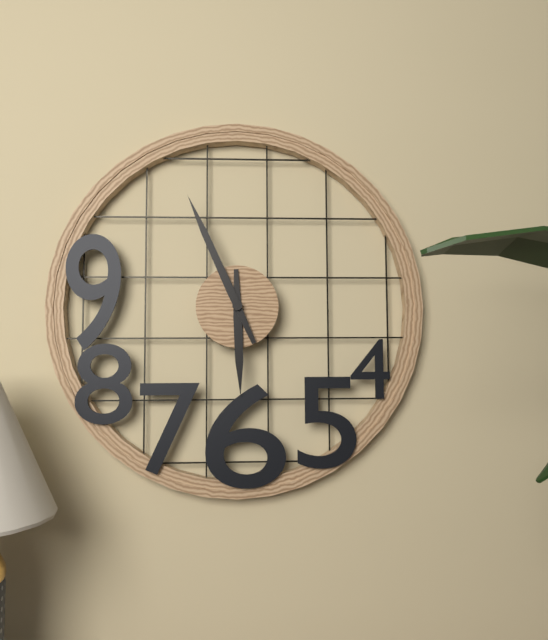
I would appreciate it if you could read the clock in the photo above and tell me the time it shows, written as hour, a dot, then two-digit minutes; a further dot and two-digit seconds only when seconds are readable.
5.56
